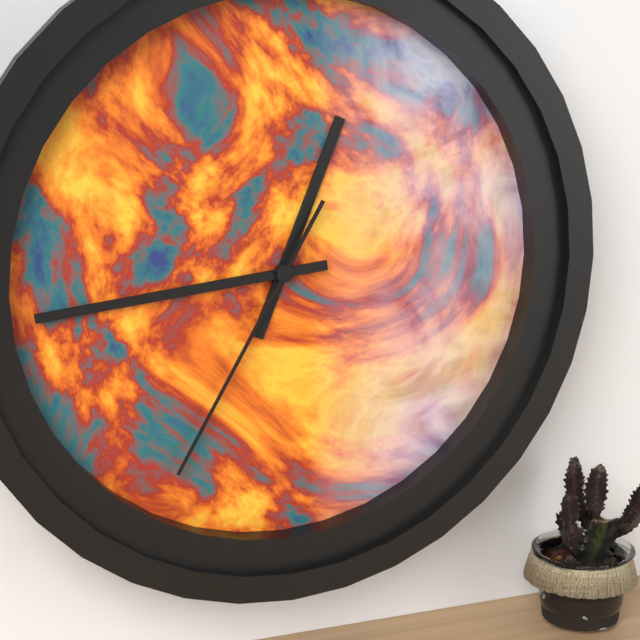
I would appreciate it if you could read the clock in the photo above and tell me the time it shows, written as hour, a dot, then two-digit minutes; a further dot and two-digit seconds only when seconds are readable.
12.44.35
